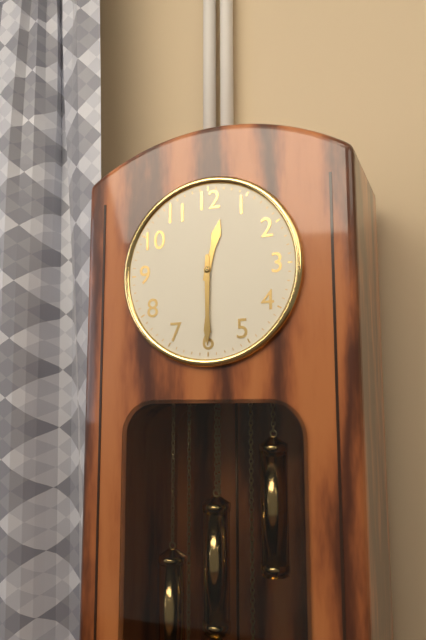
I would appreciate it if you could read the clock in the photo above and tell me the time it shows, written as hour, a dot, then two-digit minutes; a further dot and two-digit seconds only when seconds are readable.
12.30
